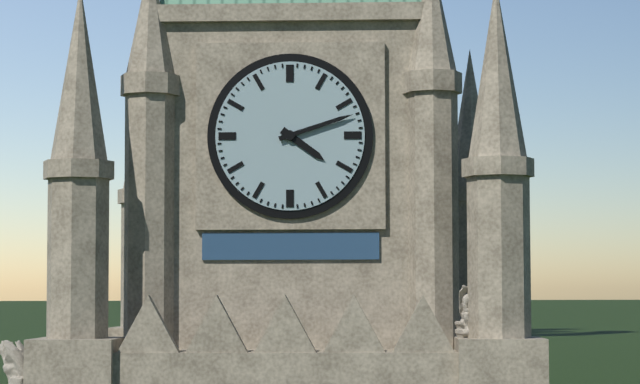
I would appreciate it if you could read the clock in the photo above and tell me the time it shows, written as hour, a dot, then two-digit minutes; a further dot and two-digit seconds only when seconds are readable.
4.12
